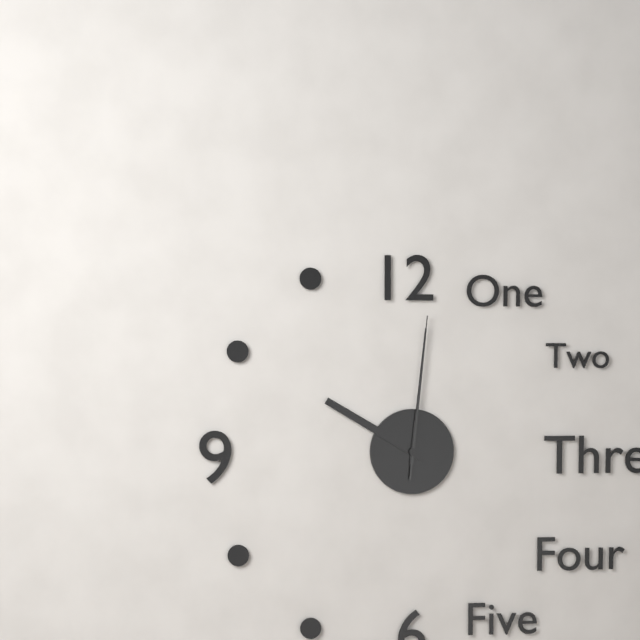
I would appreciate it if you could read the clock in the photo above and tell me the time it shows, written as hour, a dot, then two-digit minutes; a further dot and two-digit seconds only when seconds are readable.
10.01.01
